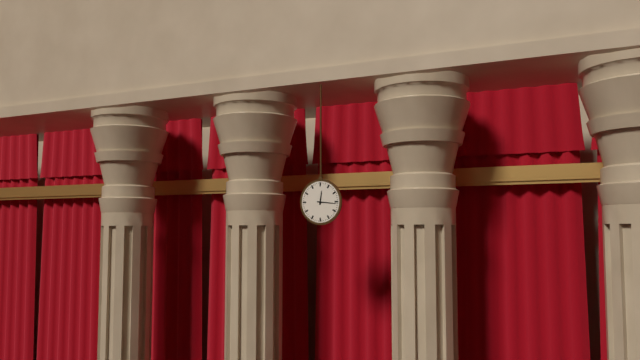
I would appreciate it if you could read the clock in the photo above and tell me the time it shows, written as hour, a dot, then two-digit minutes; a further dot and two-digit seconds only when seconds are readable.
12.16
